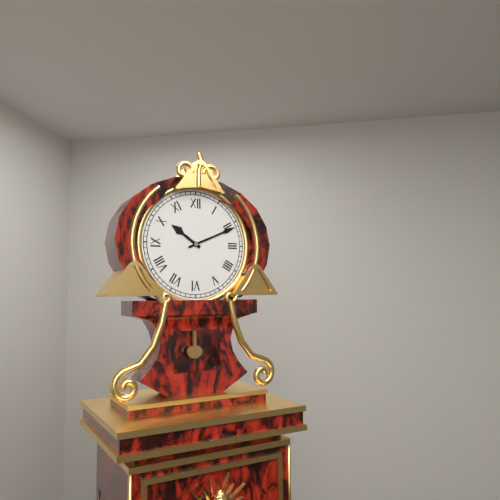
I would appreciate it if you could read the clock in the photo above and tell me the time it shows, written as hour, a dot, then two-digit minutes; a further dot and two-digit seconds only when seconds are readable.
10.11
